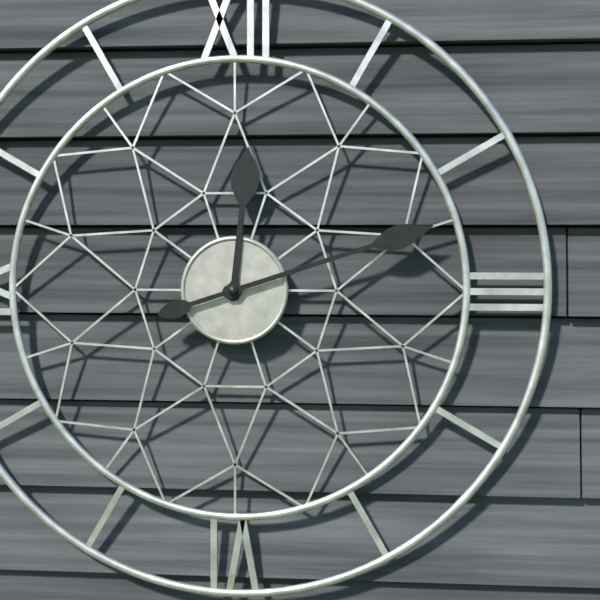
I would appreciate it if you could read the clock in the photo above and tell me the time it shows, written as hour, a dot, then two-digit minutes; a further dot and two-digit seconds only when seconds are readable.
12.12
